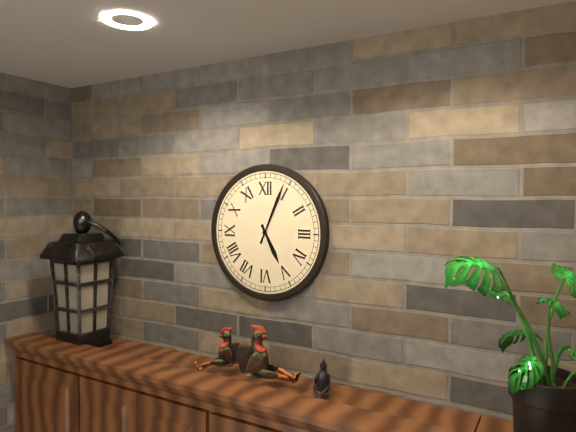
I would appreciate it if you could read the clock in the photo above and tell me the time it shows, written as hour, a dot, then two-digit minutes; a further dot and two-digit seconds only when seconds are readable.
5.04
